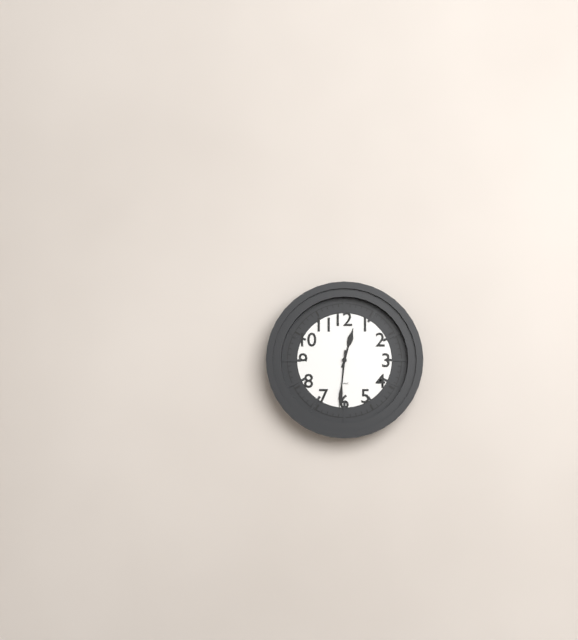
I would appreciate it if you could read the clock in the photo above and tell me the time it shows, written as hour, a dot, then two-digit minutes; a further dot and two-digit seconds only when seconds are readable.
12.31
